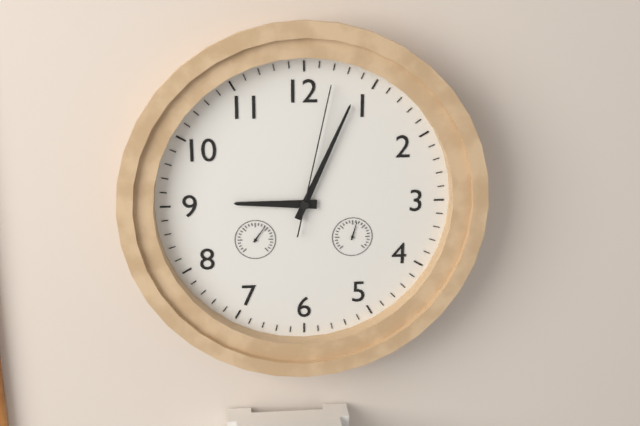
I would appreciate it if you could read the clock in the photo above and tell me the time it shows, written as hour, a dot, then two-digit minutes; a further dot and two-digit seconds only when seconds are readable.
9.04.02
